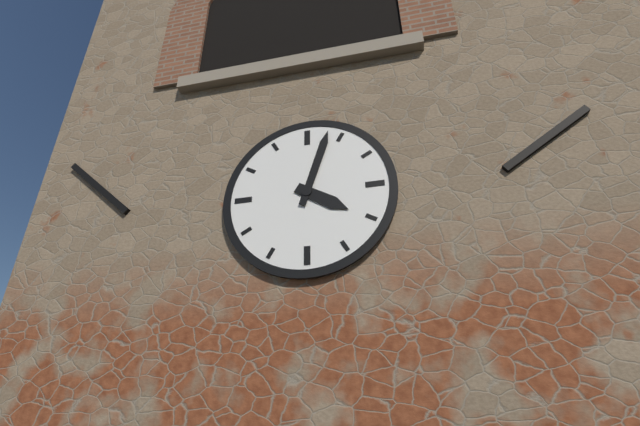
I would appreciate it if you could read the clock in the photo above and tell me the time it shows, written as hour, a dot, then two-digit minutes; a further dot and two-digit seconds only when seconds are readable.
4.03
